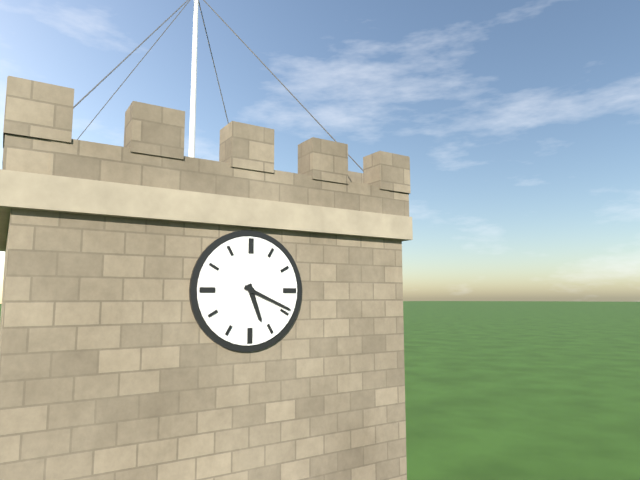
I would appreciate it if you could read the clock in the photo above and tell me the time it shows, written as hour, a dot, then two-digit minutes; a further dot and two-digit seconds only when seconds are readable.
5.19
